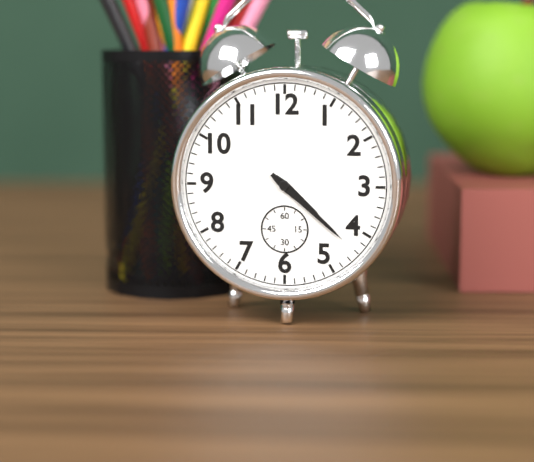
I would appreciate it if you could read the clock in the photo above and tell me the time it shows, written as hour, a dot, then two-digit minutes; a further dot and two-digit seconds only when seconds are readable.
4.22
